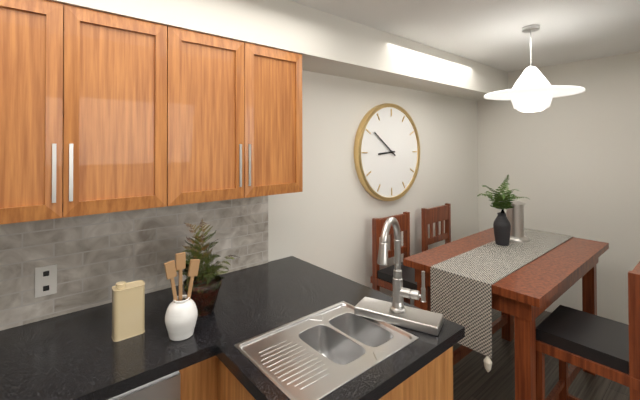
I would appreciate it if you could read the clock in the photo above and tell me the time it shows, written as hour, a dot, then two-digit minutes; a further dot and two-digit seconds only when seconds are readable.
8.51
